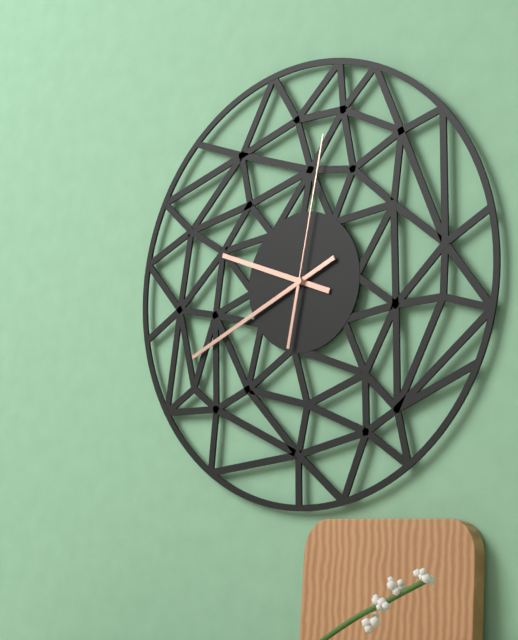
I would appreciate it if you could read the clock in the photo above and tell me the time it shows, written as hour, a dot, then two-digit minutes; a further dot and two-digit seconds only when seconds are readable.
9.41.02
